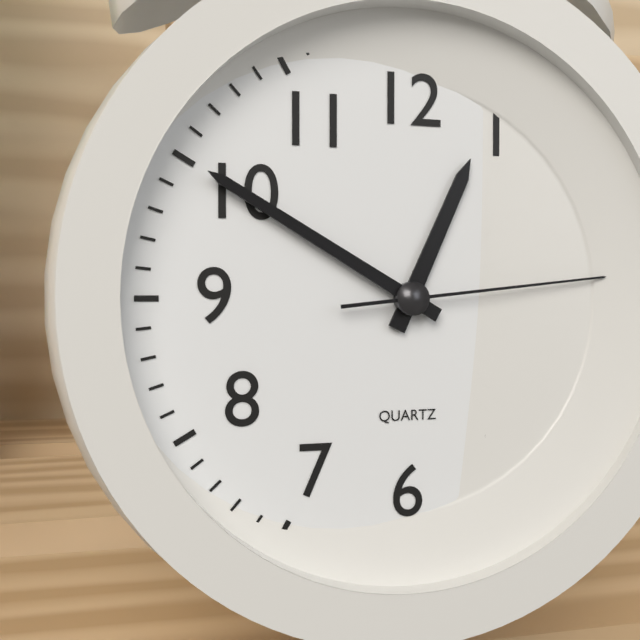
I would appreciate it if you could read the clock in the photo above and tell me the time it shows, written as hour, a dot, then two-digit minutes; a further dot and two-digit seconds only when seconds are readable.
12.50.14
